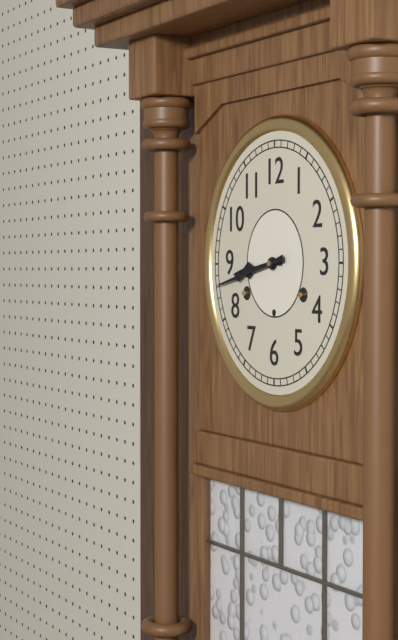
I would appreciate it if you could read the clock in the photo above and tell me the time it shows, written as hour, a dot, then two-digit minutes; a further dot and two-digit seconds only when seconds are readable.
8.43
